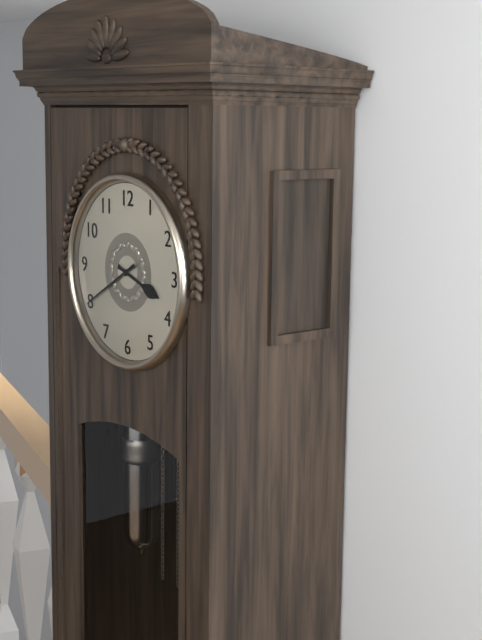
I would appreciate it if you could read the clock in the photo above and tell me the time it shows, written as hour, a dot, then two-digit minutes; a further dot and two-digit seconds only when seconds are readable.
3.40
